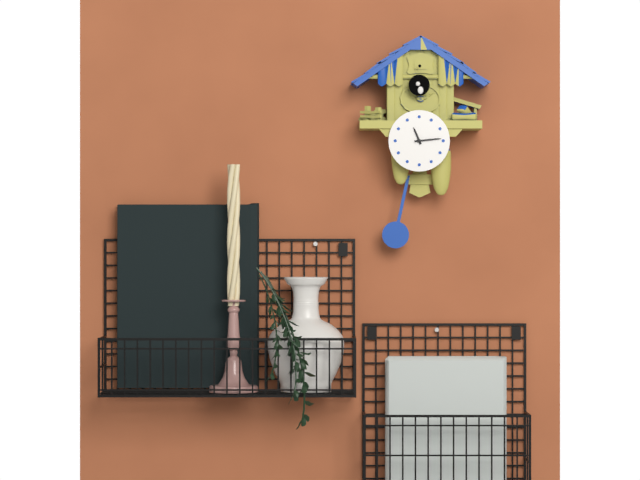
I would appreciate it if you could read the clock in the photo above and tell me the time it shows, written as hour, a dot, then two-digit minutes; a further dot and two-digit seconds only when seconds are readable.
11.14
